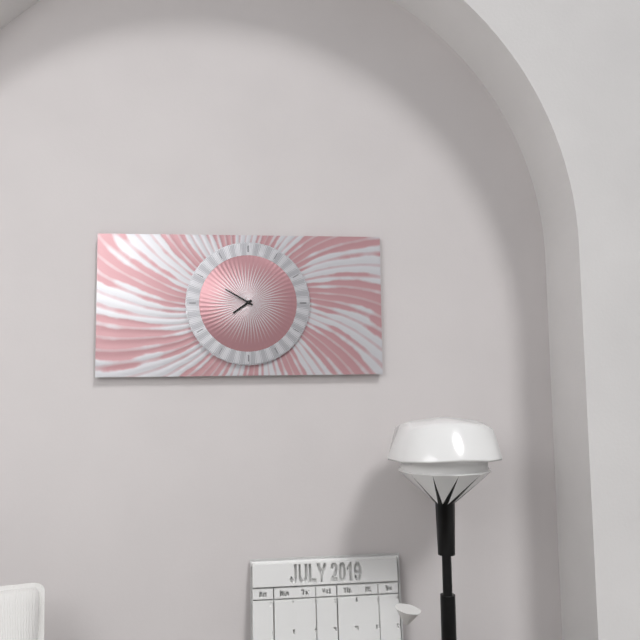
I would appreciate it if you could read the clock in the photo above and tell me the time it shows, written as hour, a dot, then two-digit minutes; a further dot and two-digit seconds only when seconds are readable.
7.50
